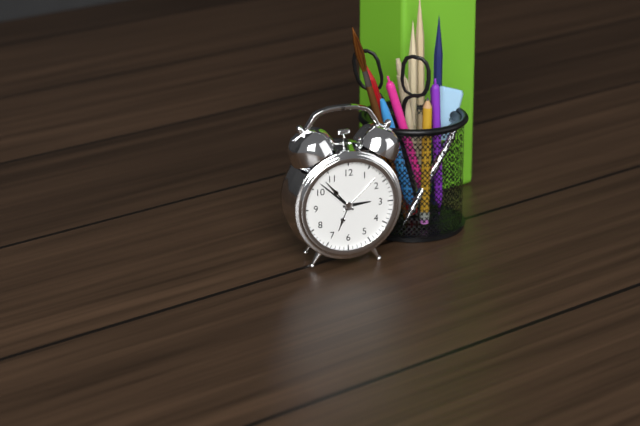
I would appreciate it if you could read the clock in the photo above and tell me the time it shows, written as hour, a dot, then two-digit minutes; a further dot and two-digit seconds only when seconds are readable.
2.52
